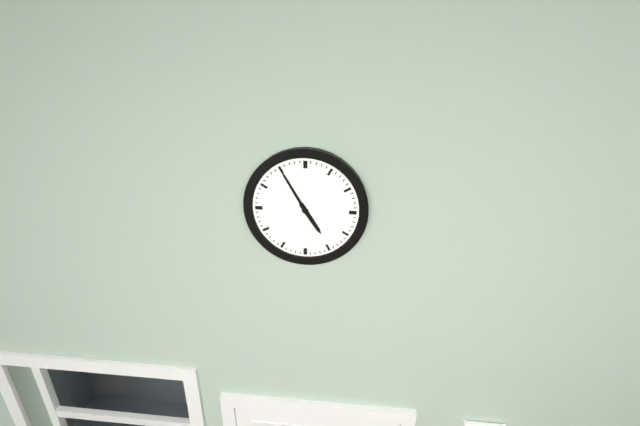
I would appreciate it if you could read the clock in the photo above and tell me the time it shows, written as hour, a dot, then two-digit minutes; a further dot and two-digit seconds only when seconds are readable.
4.55
